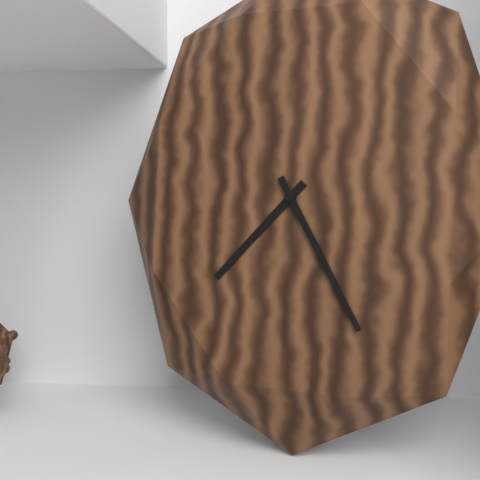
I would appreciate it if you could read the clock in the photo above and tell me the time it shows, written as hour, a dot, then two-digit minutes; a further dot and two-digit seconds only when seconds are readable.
7.25
